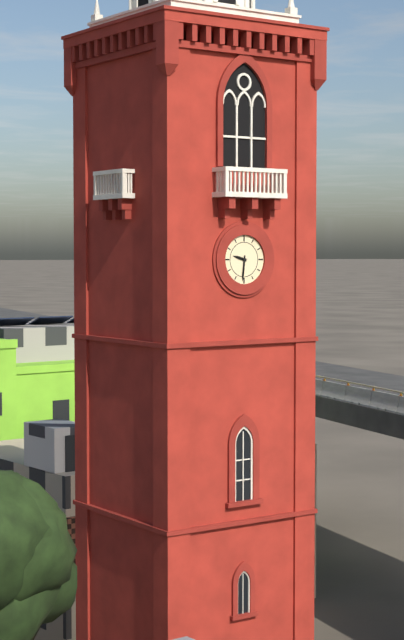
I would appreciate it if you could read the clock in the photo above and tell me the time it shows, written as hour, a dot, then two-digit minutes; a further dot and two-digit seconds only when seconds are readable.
9.31
